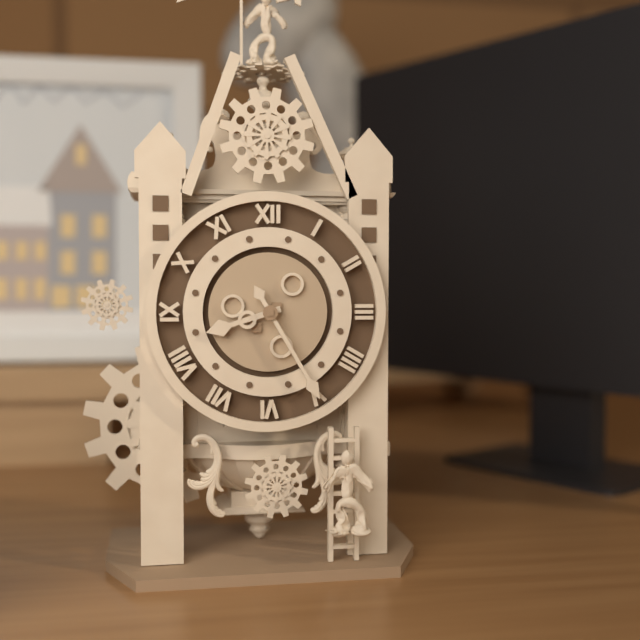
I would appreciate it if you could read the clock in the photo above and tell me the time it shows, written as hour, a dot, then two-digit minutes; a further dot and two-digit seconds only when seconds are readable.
8.25
